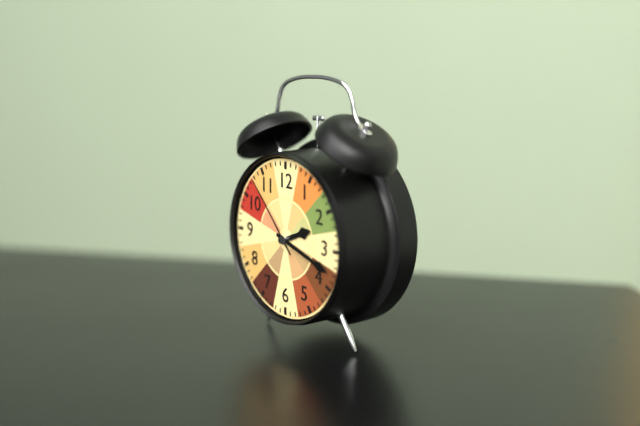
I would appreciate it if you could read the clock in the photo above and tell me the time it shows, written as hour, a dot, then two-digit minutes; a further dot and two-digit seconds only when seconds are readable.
2.18.53
